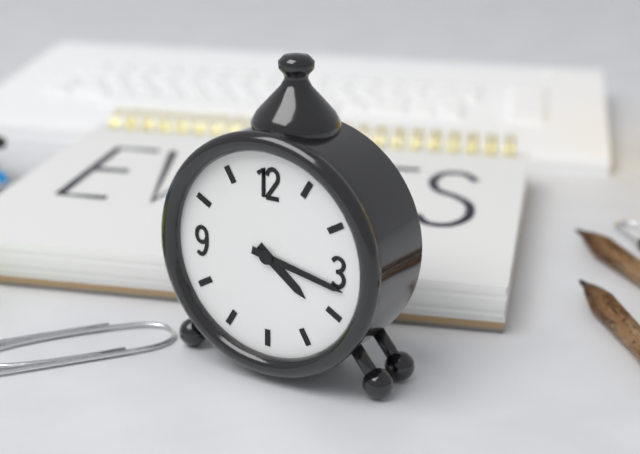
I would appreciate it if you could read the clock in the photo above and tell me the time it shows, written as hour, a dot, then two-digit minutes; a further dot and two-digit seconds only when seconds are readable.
4.17
